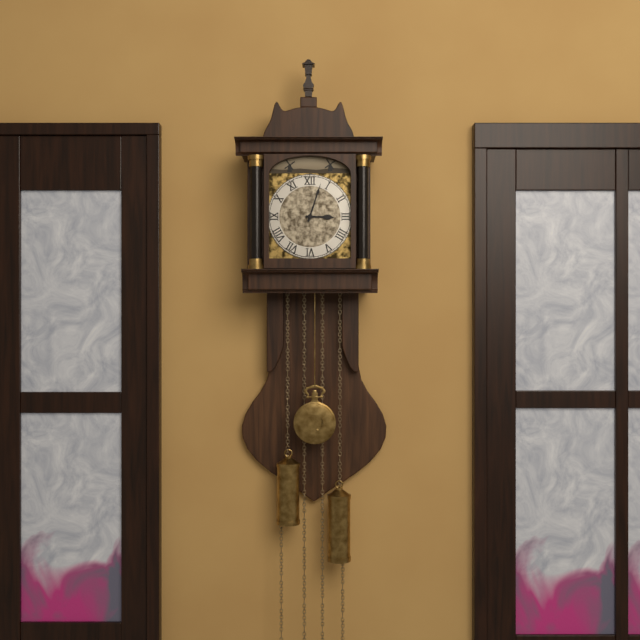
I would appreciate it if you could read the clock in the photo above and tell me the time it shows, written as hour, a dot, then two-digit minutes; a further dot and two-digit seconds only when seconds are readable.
3.03
